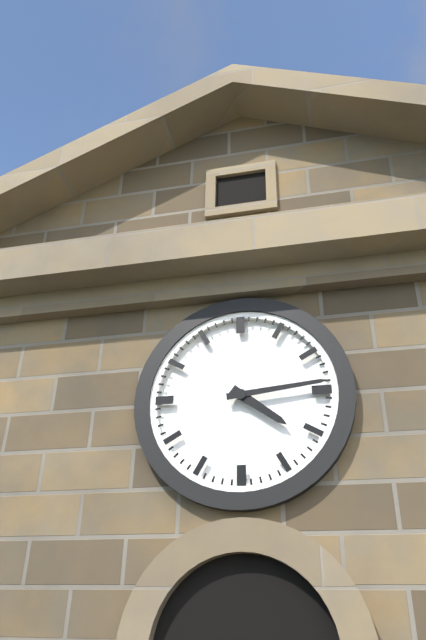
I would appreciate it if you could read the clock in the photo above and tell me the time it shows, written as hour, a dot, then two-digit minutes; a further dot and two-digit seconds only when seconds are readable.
4.14
